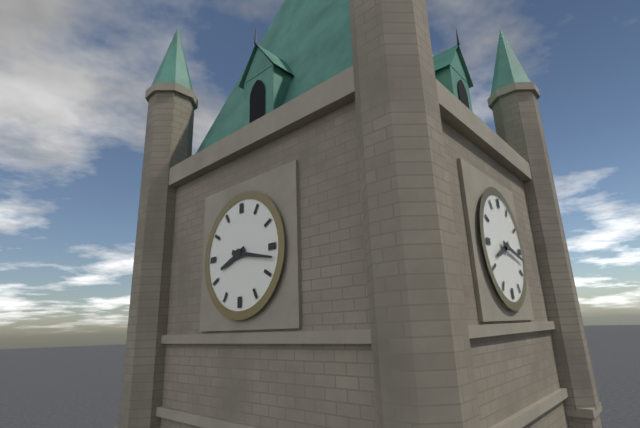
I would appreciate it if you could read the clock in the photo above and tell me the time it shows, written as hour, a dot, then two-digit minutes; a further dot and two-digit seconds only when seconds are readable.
8.17
